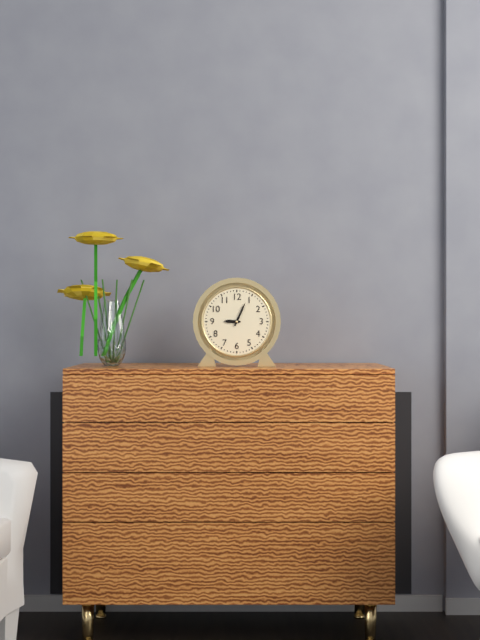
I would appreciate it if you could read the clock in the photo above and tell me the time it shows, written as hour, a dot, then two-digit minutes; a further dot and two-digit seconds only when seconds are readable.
9.04
